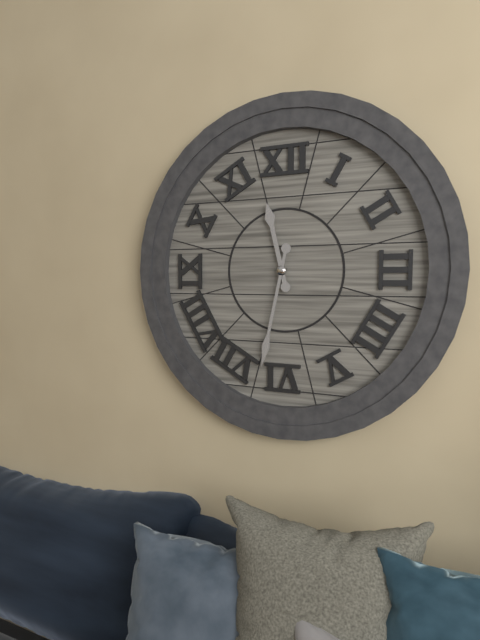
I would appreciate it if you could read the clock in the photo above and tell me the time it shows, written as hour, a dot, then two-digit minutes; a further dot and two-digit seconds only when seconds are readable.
11.32
